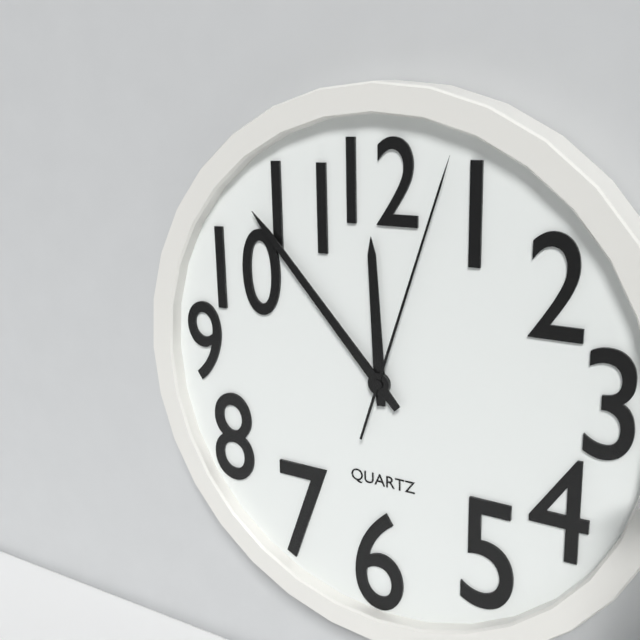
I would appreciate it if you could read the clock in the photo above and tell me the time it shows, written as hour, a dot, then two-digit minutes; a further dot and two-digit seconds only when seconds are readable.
11.53.03
